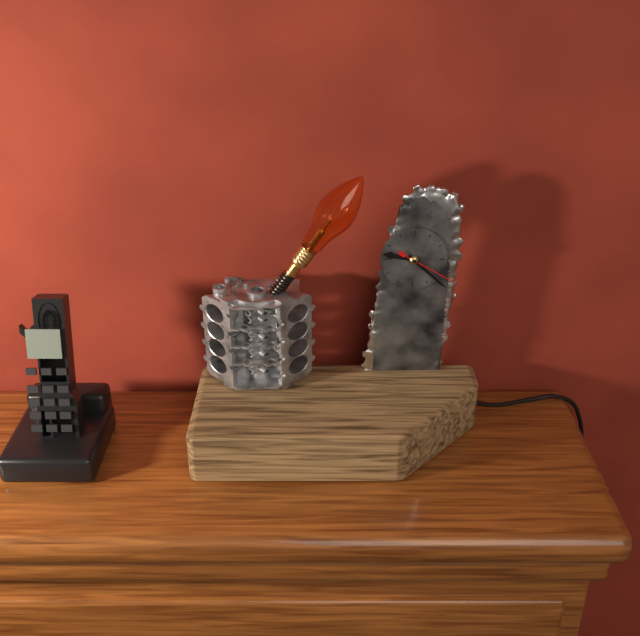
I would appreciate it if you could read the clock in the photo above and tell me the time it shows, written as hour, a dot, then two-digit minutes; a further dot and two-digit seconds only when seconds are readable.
9.22.20
